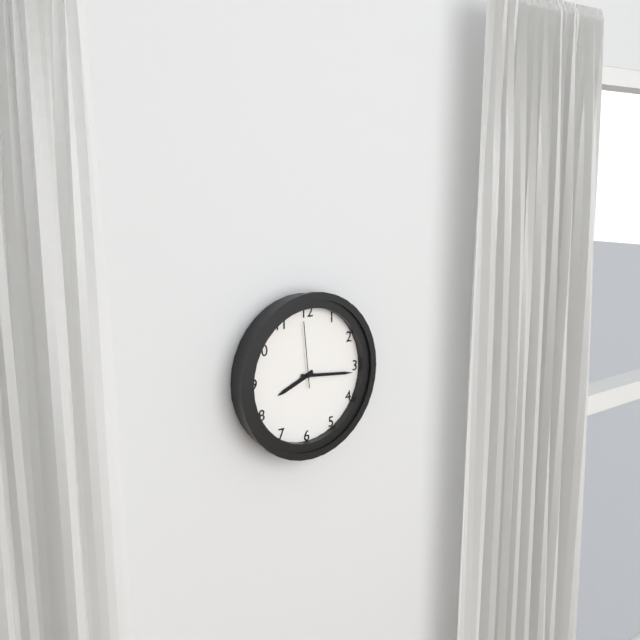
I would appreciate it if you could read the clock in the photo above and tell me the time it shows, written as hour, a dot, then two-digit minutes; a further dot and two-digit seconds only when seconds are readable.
8.16.59
